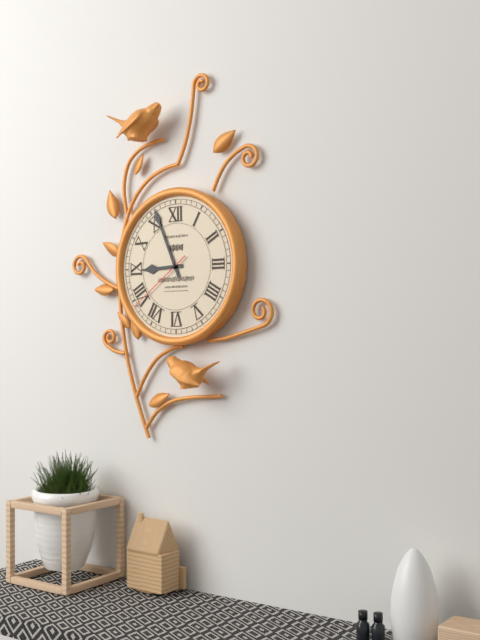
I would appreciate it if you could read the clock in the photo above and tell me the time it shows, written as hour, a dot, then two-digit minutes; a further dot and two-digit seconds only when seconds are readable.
8.56.39
